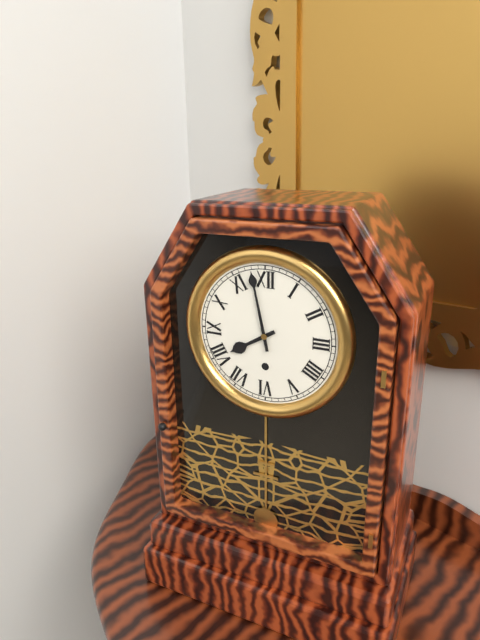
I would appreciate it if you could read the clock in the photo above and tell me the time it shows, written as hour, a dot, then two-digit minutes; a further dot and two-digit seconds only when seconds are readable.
7.58
